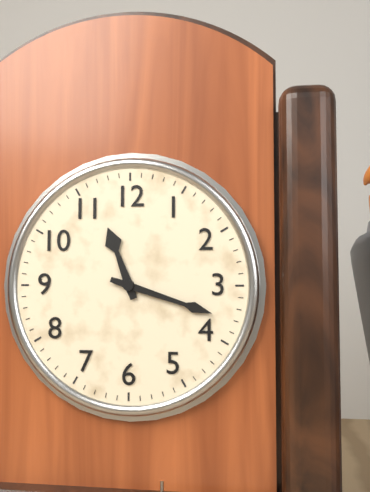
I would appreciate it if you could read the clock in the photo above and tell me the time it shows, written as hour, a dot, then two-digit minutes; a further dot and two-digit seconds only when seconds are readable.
11.18
